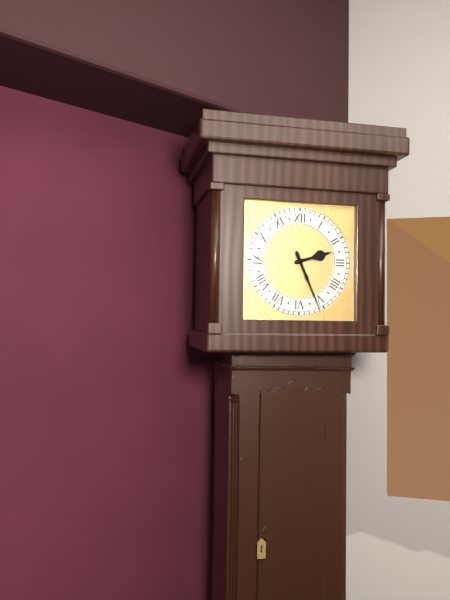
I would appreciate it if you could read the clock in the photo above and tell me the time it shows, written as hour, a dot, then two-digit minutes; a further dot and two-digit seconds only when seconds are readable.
2.26
